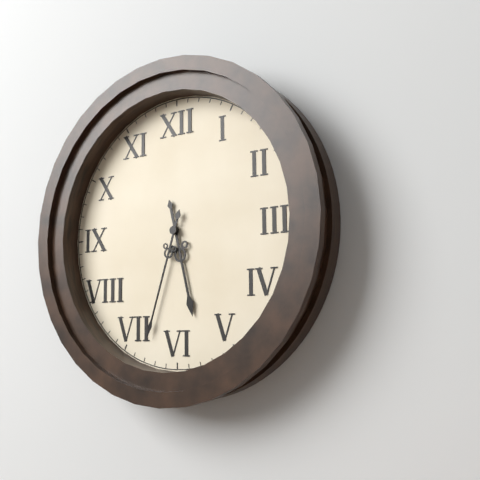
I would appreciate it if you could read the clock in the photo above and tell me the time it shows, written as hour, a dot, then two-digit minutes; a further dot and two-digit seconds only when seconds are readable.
5.33
